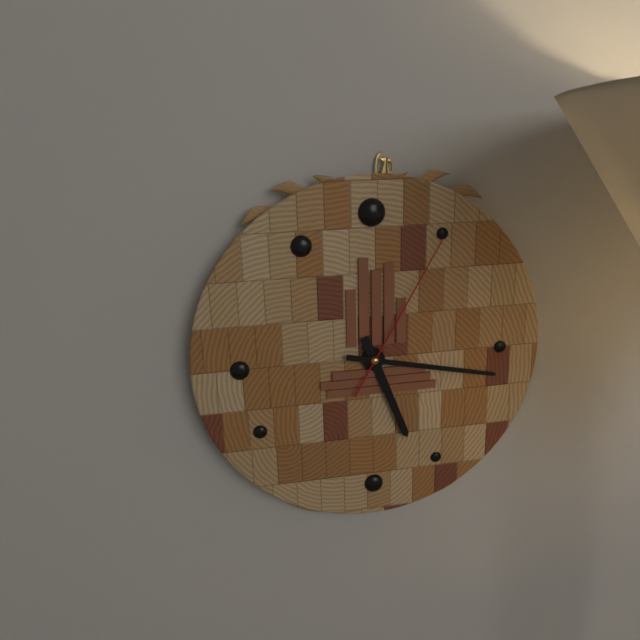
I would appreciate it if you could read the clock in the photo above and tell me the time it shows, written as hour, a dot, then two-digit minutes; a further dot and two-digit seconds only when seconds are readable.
5.17.05
